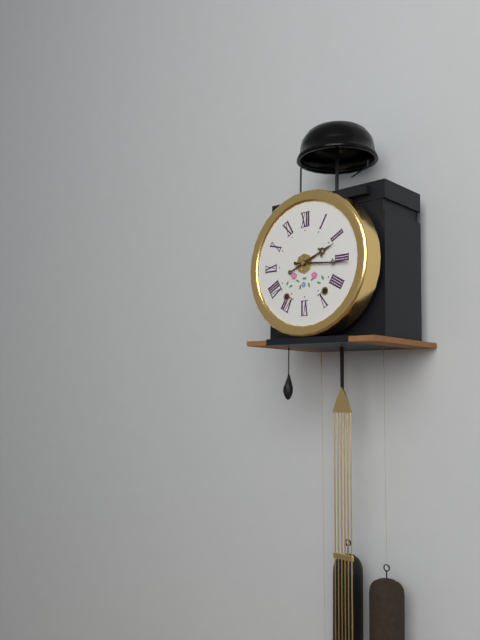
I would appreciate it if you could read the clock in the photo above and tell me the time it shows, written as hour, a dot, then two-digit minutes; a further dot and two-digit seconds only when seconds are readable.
2.16
